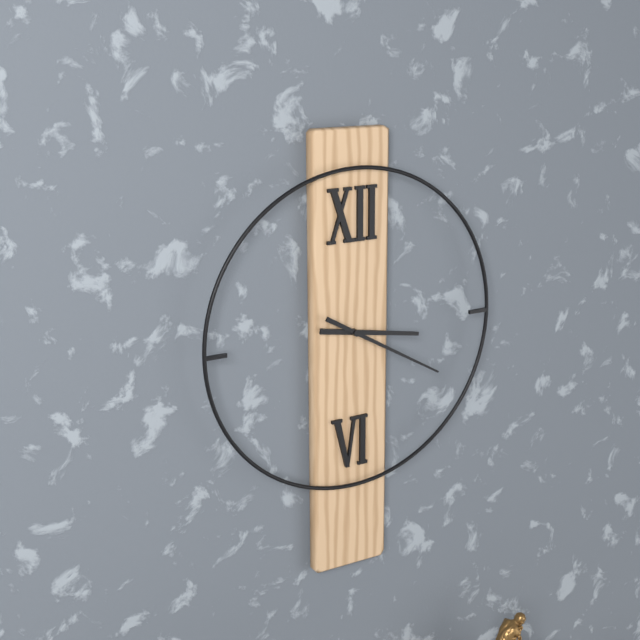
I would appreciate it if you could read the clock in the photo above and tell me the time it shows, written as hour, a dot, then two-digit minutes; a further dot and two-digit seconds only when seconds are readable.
3.20
